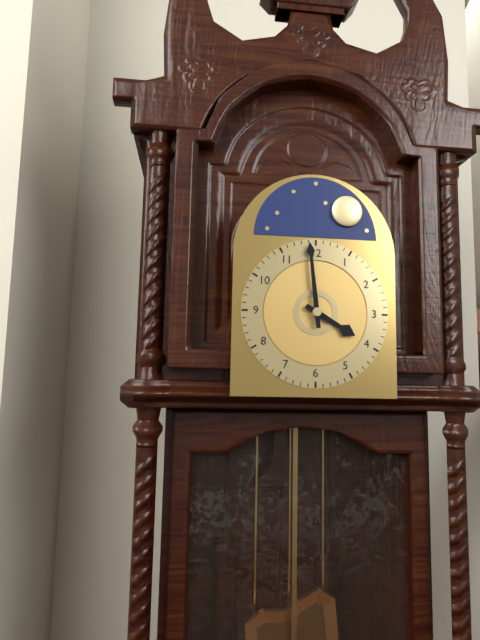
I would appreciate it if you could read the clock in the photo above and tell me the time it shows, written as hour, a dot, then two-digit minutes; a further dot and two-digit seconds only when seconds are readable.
3.59
